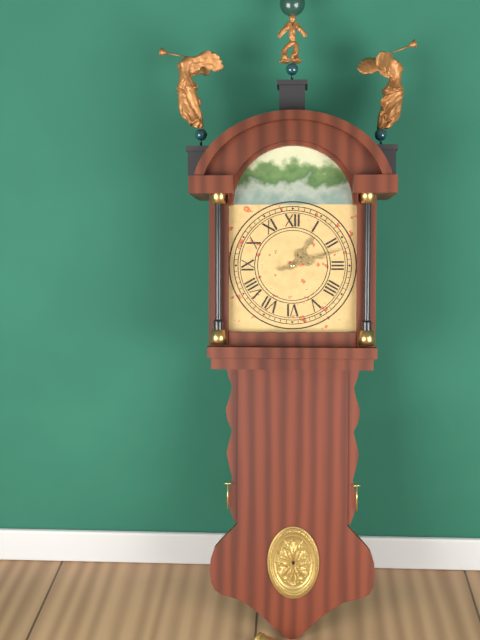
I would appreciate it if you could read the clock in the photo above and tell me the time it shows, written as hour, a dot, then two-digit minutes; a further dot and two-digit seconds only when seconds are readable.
1.12
